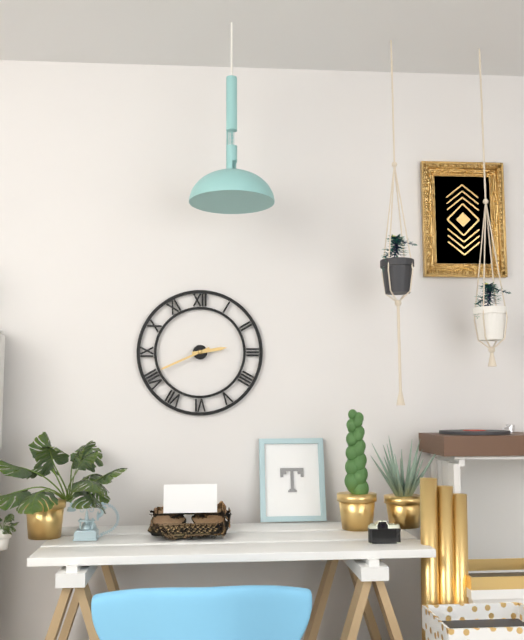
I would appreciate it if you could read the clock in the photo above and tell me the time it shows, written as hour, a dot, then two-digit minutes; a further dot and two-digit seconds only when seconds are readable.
2.41
